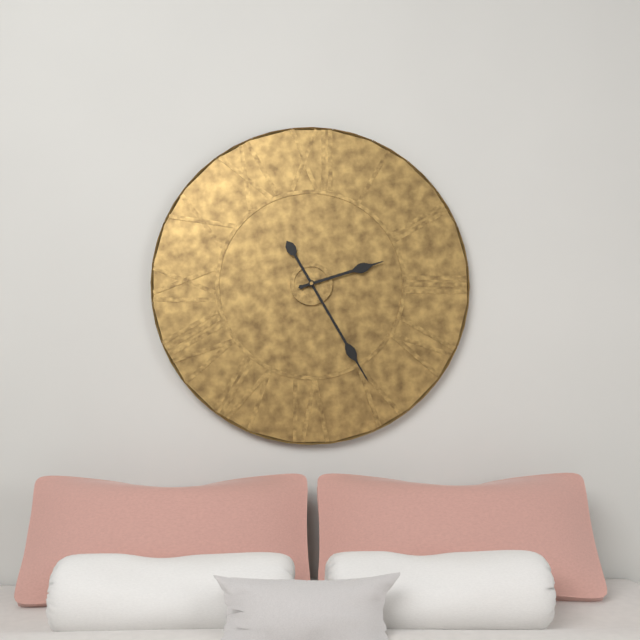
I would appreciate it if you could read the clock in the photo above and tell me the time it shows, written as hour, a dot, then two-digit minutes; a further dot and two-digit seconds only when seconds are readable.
2.25
